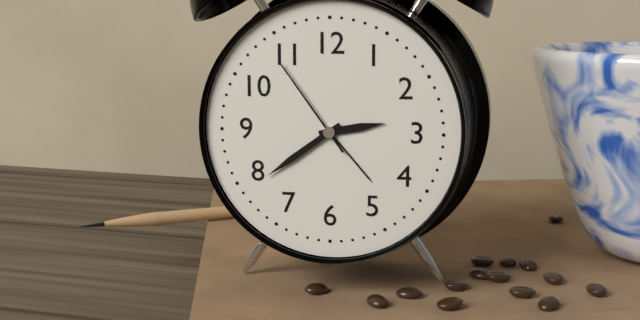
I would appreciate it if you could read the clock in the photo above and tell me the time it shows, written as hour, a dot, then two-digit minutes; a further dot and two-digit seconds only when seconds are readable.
2.39.54
